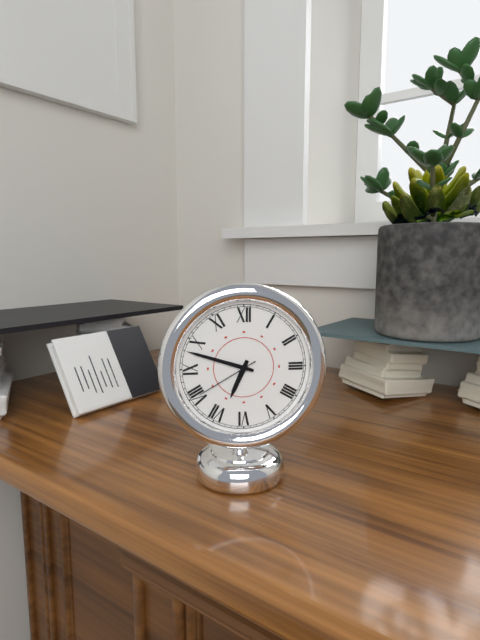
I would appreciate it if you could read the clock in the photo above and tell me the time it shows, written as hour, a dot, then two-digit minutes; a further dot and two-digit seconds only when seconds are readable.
6.48.40
